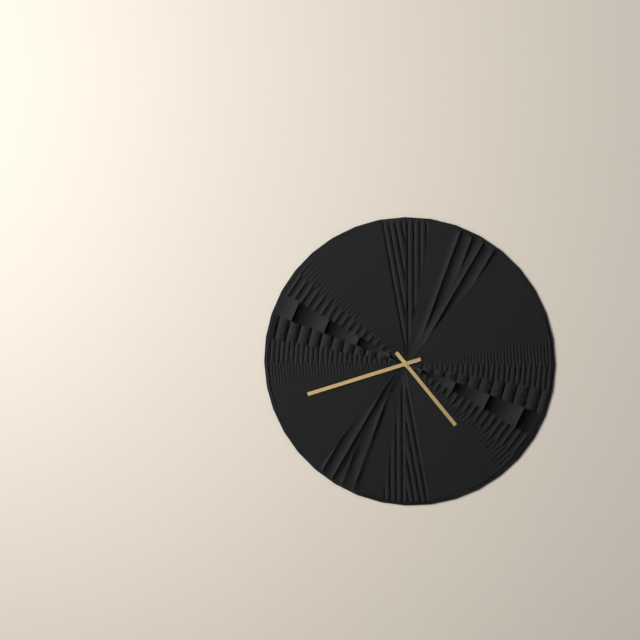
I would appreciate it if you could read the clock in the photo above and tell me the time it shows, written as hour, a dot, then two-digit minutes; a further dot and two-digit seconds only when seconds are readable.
4.42
